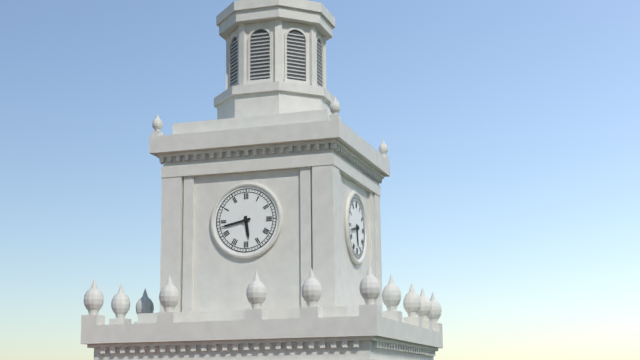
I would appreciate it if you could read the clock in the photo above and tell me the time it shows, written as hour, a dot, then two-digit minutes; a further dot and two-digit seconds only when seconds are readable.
5.43
